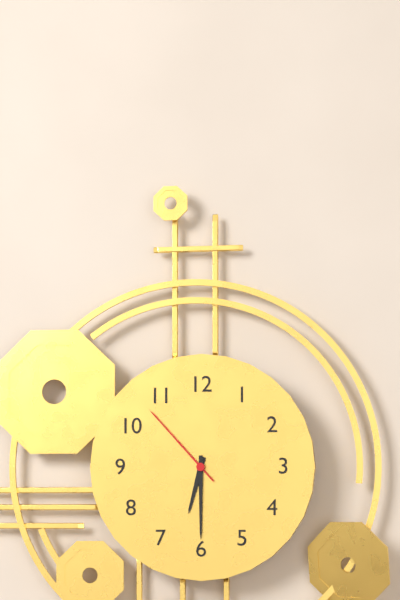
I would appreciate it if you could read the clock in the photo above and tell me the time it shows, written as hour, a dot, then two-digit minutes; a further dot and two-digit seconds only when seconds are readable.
6.30.53
